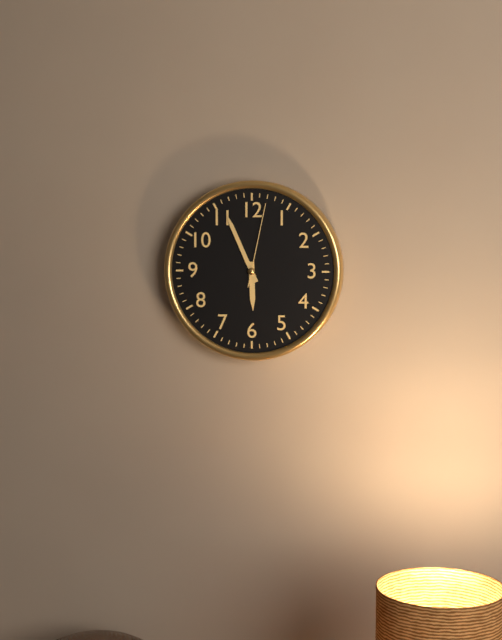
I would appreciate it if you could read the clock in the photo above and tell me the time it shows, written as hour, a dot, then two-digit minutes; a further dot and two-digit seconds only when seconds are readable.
5.56.02
